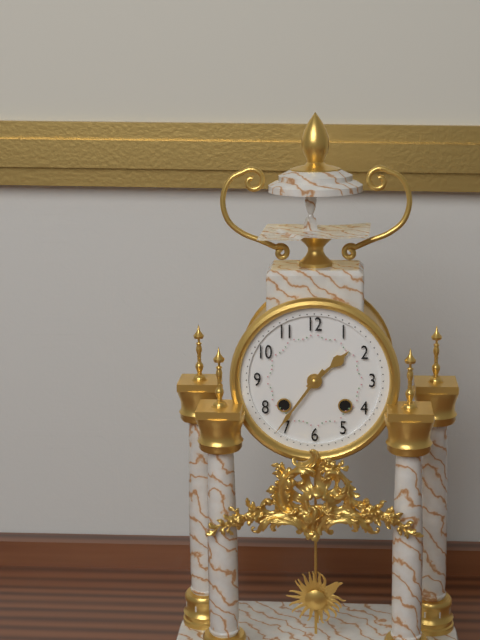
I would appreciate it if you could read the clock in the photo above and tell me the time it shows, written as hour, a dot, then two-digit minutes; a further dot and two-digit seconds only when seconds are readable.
1.36
